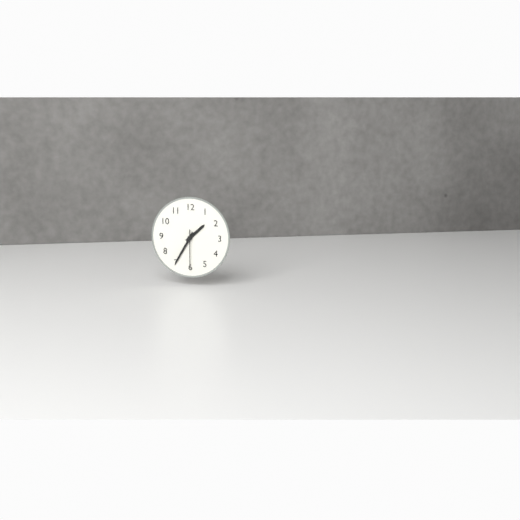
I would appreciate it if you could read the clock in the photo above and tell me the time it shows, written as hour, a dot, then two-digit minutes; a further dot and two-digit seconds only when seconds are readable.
1.35
